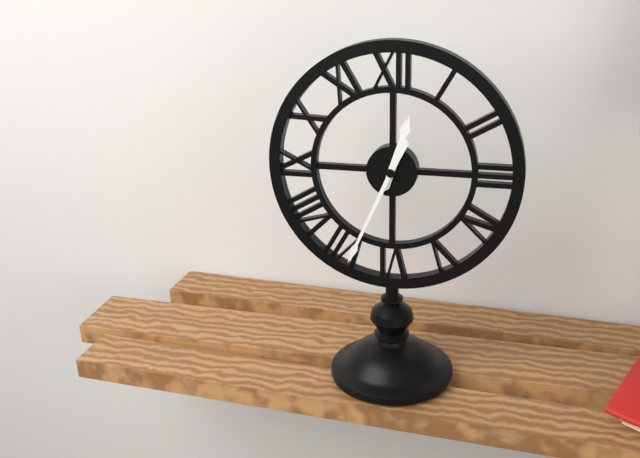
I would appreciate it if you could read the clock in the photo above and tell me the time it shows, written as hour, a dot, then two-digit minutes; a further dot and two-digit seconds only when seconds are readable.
12.34
